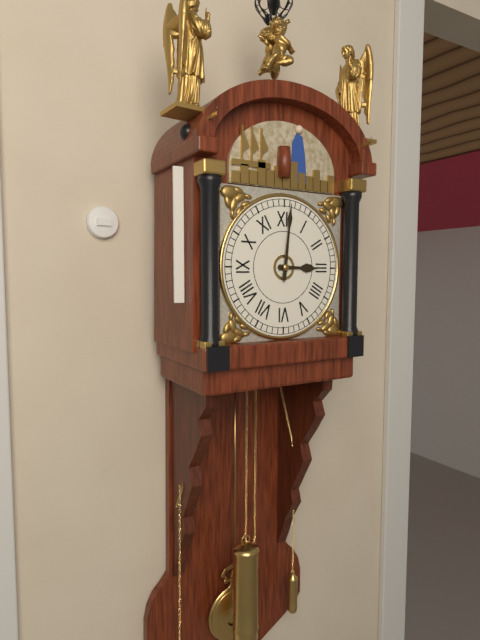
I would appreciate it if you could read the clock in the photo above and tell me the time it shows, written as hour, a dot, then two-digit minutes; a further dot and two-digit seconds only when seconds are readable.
3.01
